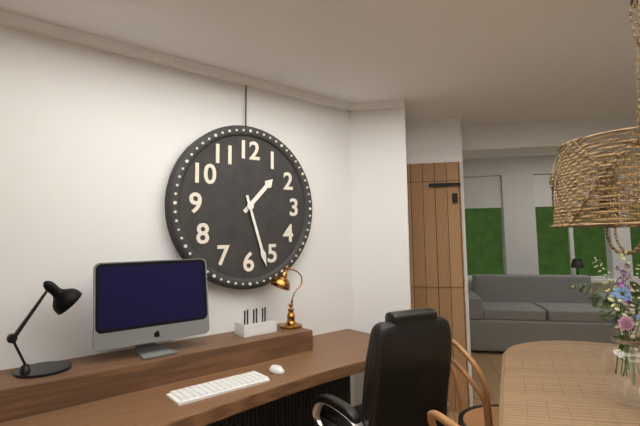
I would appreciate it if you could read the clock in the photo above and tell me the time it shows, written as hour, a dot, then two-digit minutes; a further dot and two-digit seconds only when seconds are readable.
1.27
